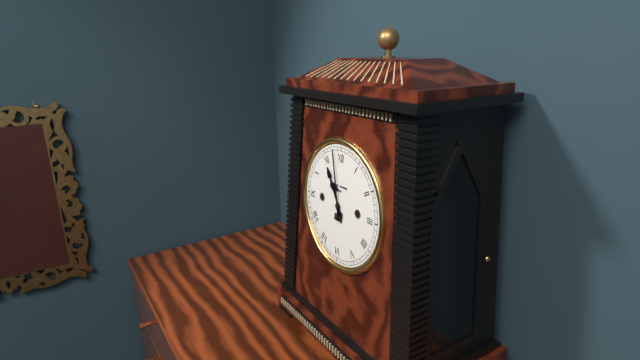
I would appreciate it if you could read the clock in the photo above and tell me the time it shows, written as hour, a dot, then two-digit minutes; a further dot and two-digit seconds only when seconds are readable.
10.58
